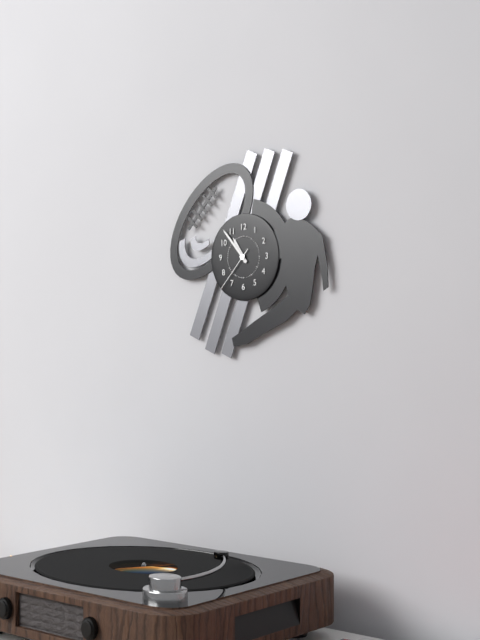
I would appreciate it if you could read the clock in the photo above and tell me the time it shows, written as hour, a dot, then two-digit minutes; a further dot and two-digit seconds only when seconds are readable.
10.53
